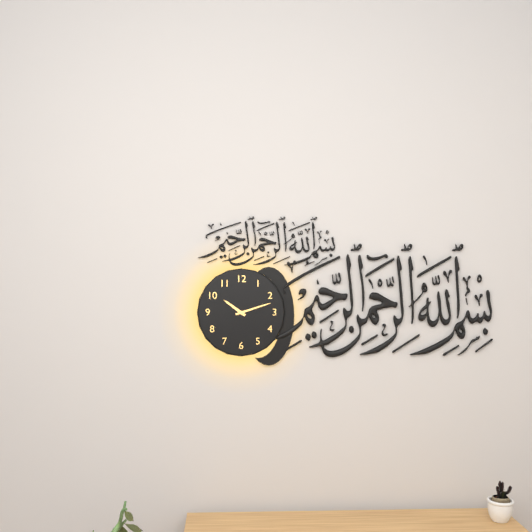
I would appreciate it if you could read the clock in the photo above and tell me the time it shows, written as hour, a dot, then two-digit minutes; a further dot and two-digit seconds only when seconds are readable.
10.12
